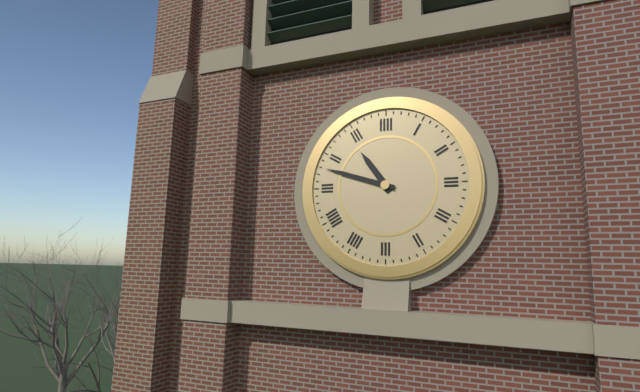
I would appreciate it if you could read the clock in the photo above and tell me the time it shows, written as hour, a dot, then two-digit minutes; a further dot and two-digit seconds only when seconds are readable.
10.48
